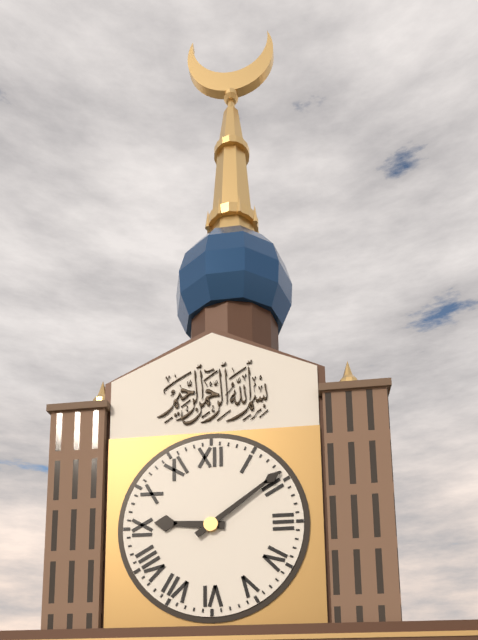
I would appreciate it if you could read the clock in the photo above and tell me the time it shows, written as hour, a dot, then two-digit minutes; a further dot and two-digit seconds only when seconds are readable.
9.09
